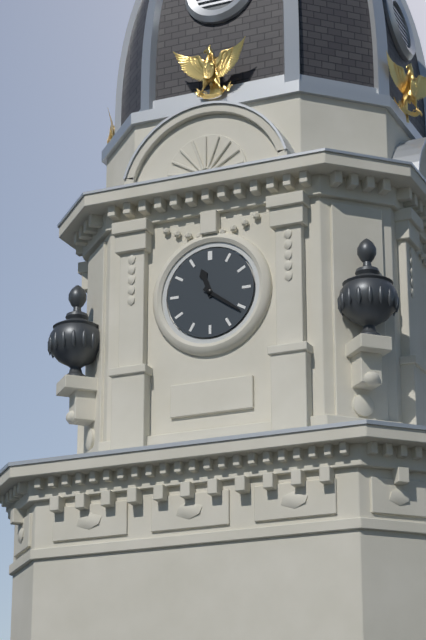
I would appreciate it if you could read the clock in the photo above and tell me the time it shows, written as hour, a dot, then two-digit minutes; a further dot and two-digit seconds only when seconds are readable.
11.21
